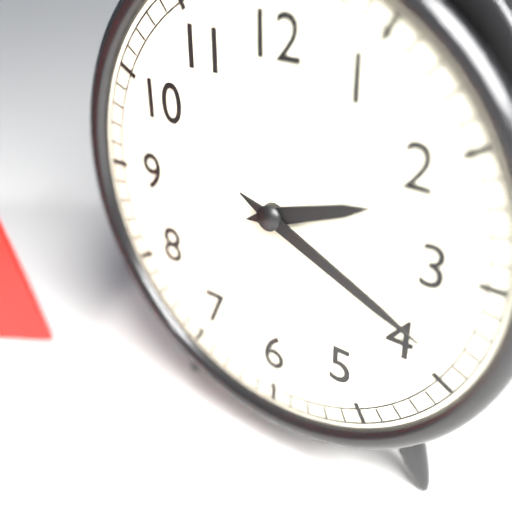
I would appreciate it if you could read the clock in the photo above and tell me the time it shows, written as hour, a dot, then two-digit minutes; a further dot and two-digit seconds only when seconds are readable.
2.19
